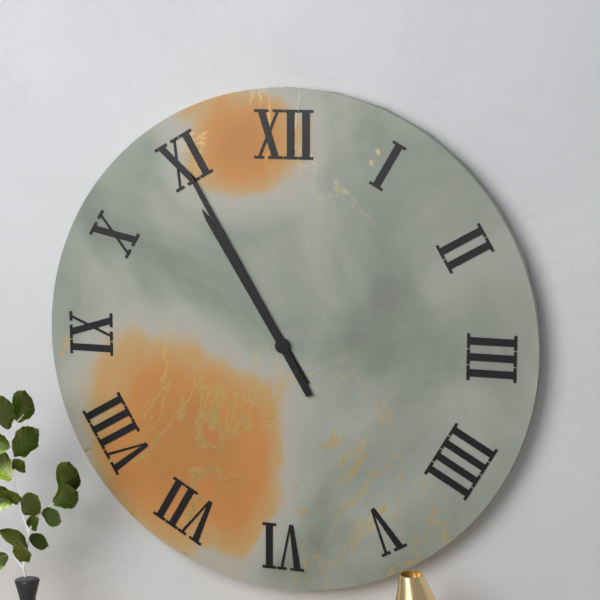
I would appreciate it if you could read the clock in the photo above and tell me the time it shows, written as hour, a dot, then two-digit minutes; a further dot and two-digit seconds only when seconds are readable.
10.55
